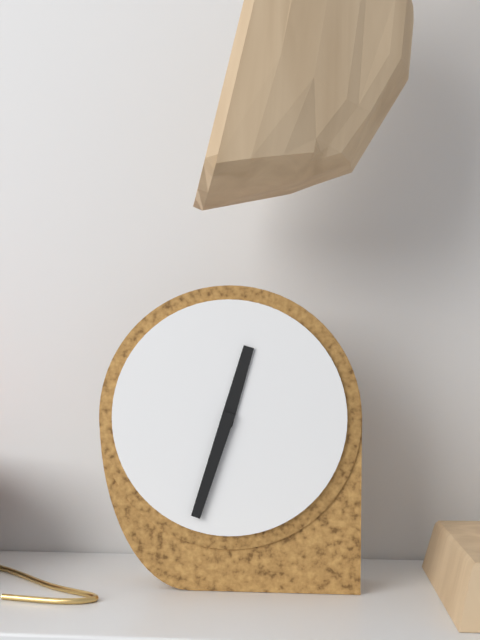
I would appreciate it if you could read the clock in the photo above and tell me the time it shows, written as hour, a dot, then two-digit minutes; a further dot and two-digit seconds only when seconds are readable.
12.33
